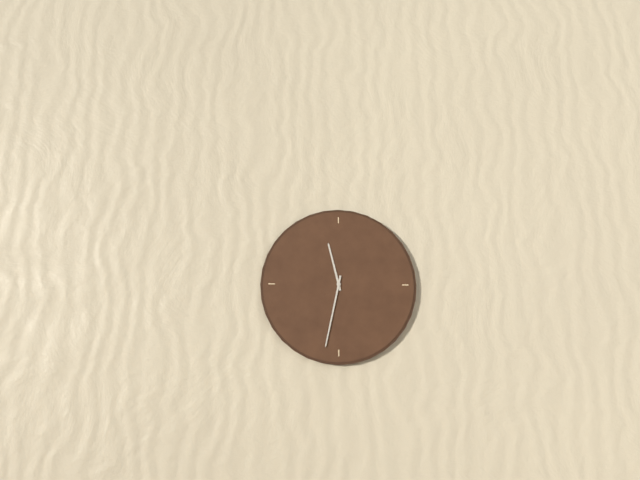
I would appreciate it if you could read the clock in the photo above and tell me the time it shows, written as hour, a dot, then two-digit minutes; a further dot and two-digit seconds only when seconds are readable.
11.32
